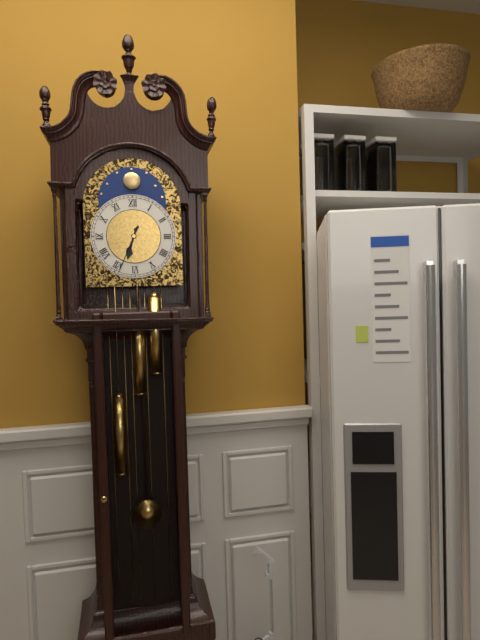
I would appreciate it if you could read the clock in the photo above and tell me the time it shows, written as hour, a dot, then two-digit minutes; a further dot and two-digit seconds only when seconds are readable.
6.34
